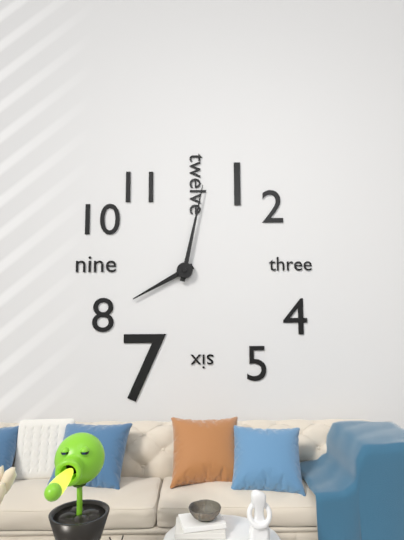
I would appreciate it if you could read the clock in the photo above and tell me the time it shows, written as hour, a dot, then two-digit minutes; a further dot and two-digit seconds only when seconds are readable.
8.02
